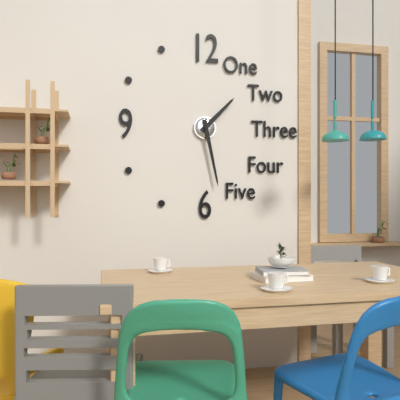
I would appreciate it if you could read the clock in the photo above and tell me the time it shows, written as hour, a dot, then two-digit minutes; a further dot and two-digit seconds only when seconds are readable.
1.28
